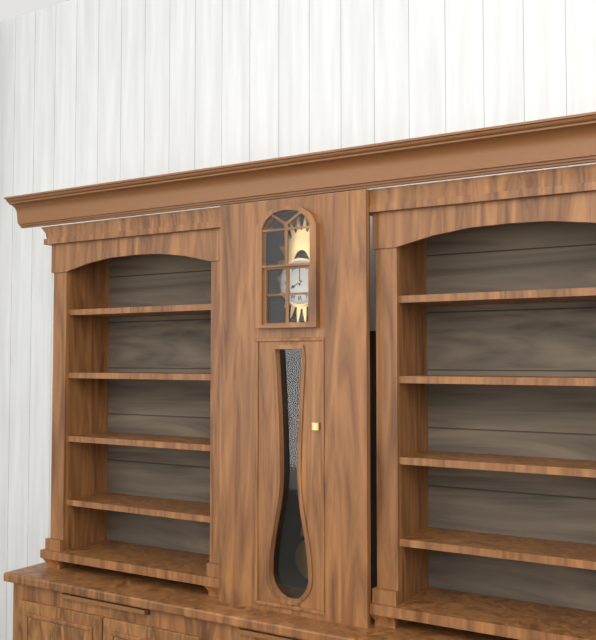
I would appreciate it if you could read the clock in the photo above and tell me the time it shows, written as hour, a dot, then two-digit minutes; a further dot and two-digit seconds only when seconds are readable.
8.00
